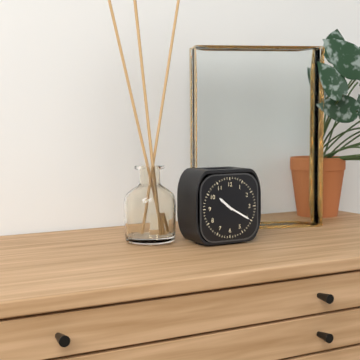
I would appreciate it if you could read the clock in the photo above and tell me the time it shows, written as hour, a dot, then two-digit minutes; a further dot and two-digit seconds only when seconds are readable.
10.20
